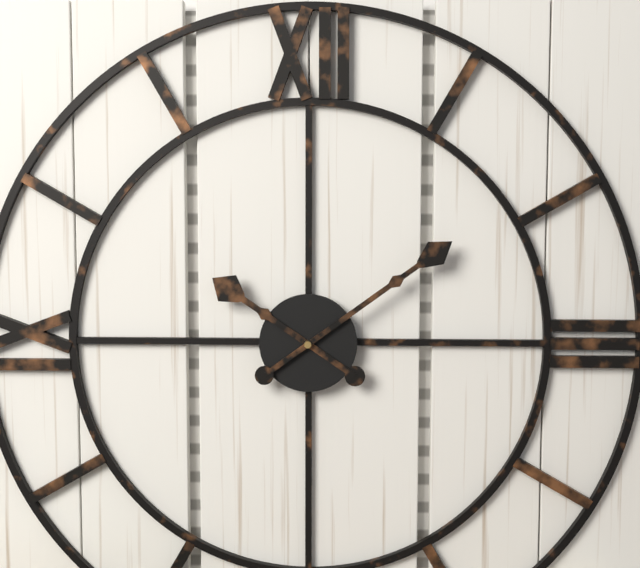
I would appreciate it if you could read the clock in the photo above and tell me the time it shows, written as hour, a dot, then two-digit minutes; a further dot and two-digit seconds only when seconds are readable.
10.09
